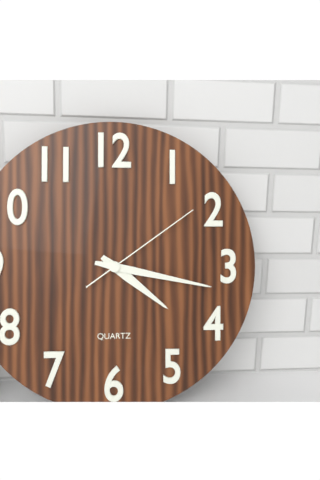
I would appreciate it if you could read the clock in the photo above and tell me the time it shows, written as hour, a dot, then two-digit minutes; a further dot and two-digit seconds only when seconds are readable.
4.17.09
